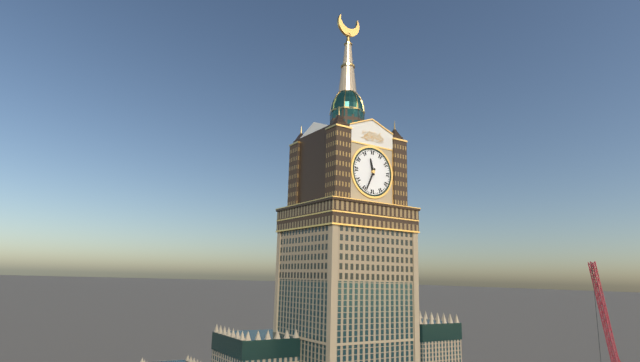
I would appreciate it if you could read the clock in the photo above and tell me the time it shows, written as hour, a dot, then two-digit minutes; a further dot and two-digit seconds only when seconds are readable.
11.34
